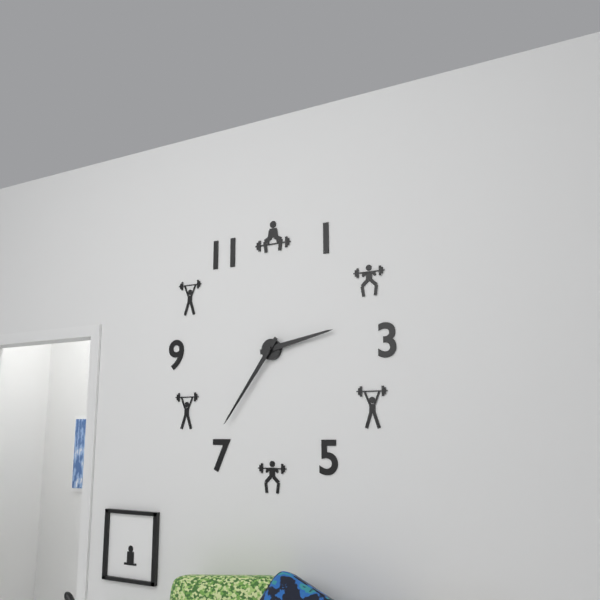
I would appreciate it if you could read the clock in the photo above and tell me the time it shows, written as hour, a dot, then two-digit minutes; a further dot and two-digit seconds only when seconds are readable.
2.36
